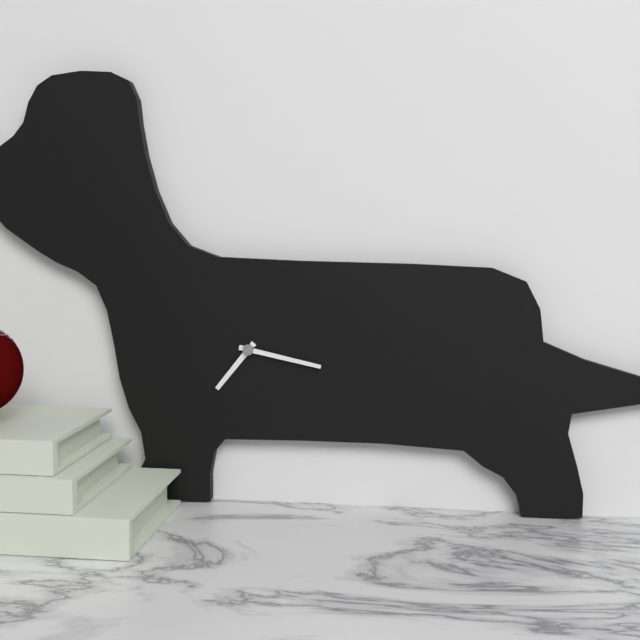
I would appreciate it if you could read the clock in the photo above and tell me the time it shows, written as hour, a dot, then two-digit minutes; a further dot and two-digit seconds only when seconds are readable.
7.17
